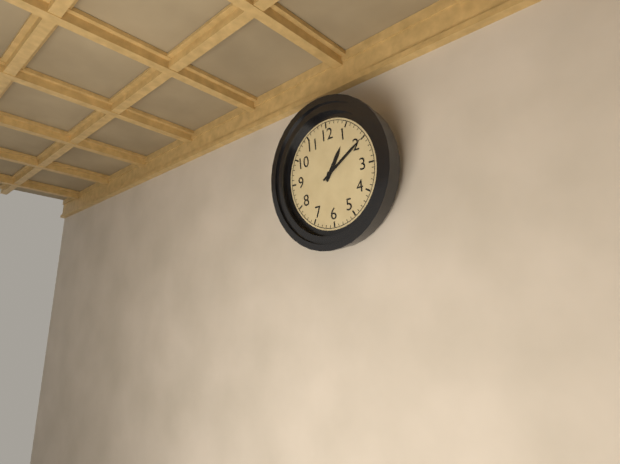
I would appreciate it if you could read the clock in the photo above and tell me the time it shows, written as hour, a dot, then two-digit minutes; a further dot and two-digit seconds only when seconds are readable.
1.10
